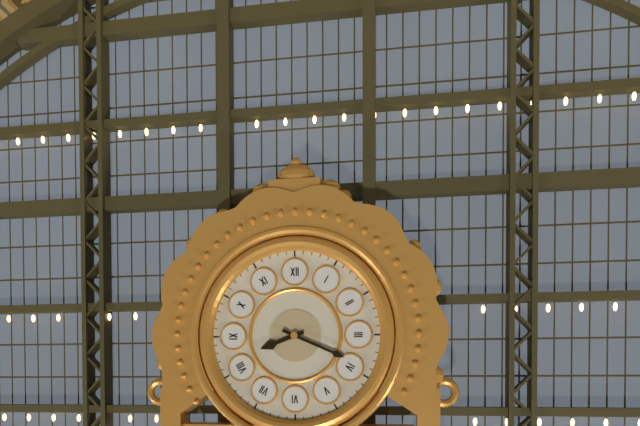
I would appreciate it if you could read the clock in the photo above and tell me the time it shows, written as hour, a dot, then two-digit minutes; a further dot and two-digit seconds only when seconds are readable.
8.19
